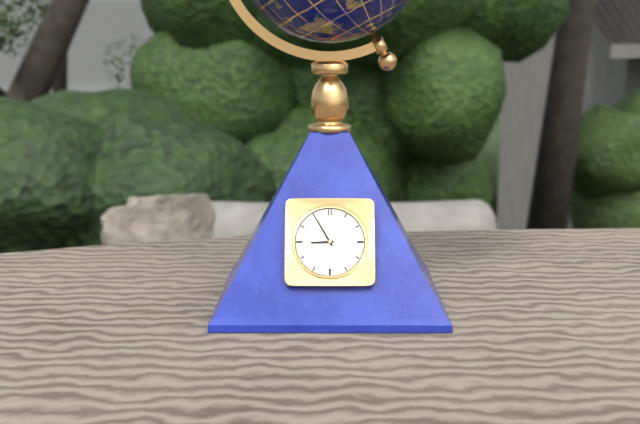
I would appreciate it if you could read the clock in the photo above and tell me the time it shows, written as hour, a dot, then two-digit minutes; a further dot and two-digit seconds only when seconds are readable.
8.55
